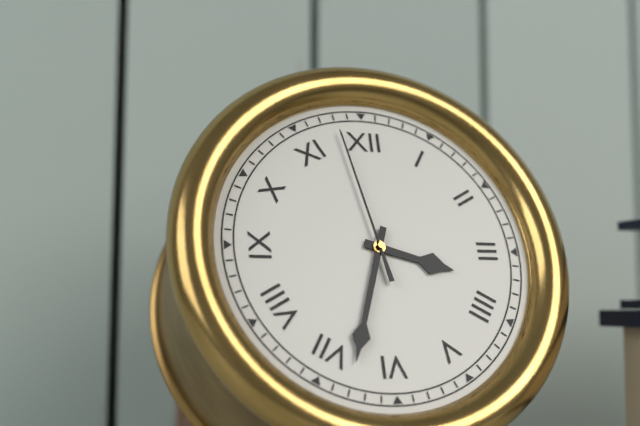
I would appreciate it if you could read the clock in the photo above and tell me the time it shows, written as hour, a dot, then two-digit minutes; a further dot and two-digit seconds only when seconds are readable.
3.33.58
